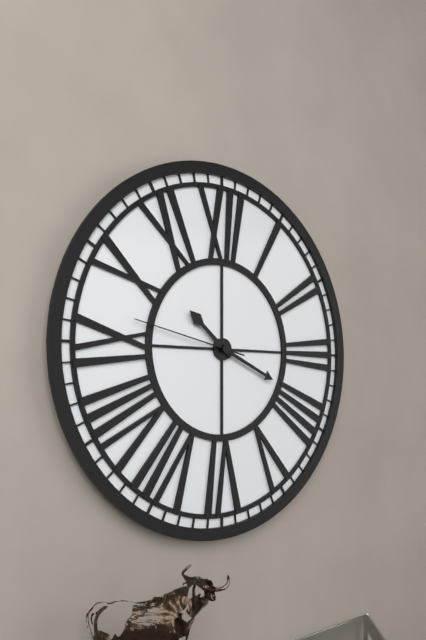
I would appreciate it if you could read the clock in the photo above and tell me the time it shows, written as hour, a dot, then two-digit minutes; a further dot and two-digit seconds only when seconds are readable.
10.19.47
